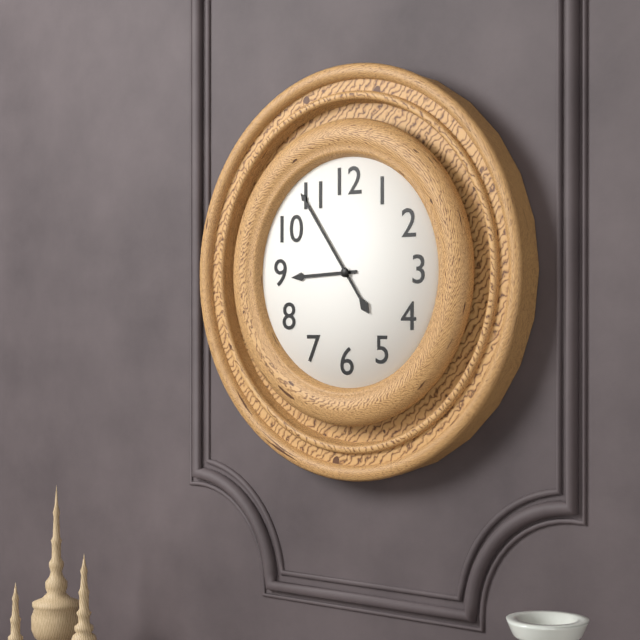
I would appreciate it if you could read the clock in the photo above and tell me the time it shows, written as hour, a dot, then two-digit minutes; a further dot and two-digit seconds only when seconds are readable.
8.54
